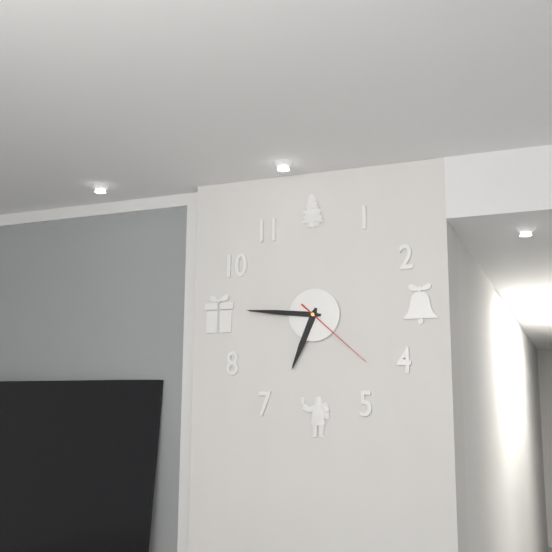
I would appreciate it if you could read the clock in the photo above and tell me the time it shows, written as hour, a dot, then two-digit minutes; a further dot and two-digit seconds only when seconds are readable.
6.46.22
